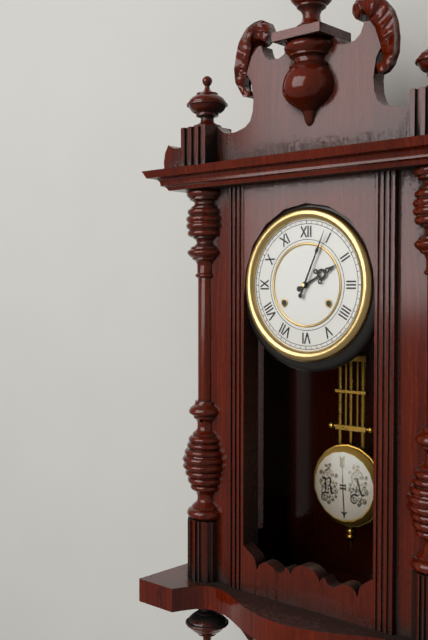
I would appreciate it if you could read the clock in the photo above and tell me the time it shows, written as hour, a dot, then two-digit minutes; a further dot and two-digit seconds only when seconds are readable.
2.04
